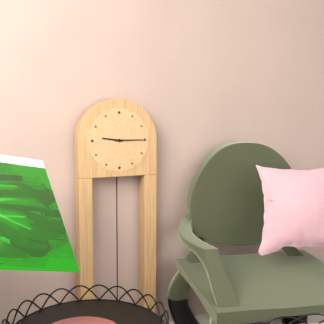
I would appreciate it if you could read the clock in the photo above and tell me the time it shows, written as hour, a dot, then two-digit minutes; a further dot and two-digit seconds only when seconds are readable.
9.15
